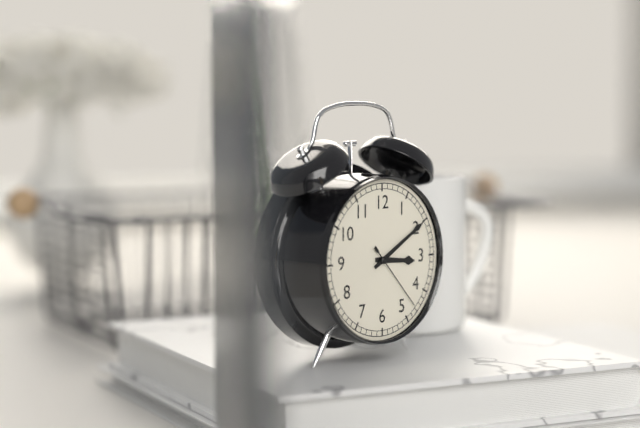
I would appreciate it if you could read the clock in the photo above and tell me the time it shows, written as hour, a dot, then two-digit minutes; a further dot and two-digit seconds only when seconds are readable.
3.10.23
